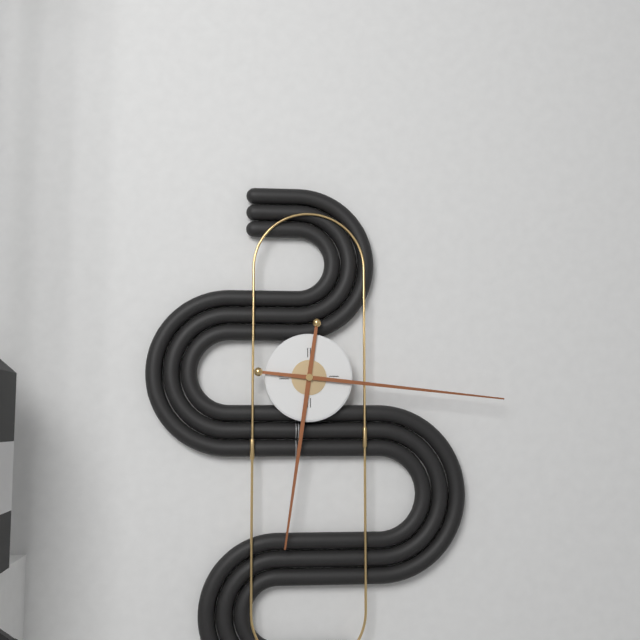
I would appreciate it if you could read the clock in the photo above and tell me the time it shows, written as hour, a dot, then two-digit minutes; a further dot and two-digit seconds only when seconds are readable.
6.16
